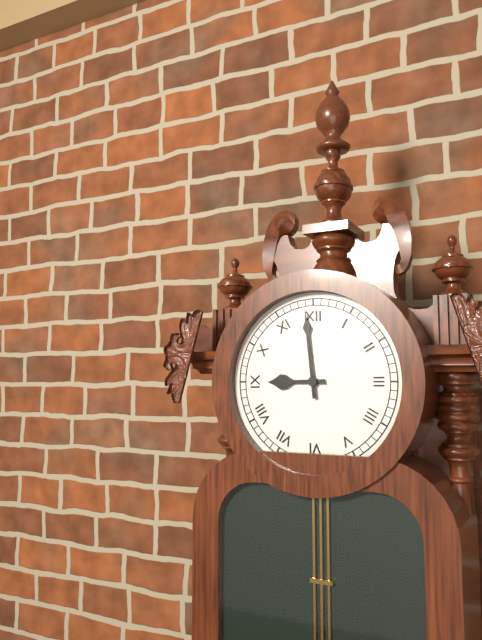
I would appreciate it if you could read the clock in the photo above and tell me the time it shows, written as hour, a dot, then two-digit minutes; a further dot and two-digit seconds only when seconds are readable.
8.59
